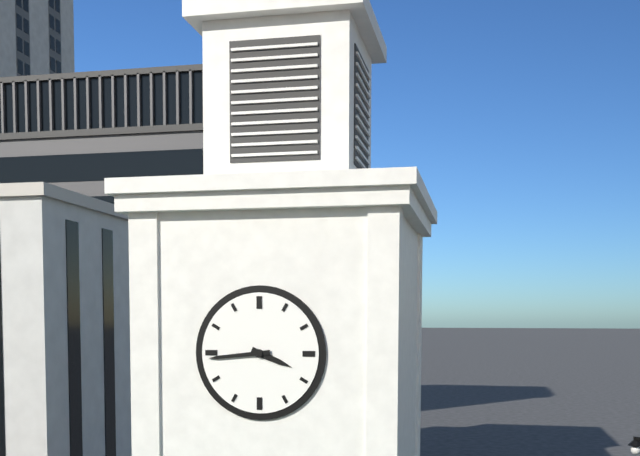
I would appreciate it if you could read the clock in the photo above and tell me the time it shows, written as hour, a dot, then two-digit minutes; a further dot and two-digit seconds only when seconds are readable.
3.44
